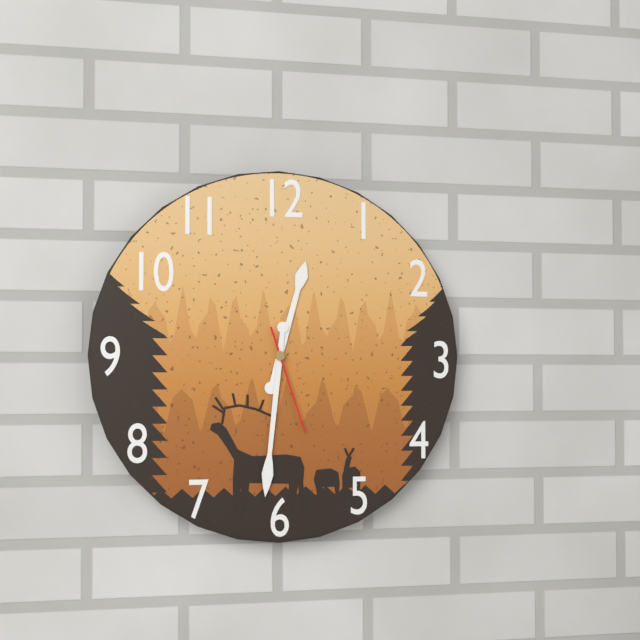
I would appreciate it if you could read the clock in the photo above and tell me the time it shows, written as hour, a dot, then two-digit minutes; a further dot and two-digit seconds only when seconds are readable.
12.31.27
